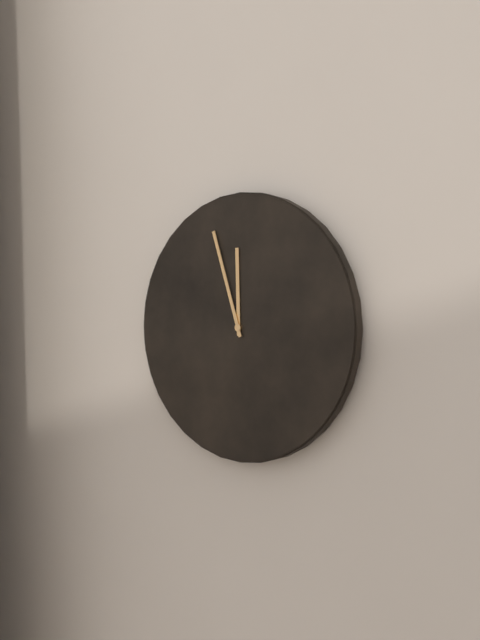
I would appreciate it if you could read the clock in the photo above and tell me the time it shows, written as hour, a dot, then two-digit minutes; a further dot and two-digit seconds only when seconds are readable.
11.57
